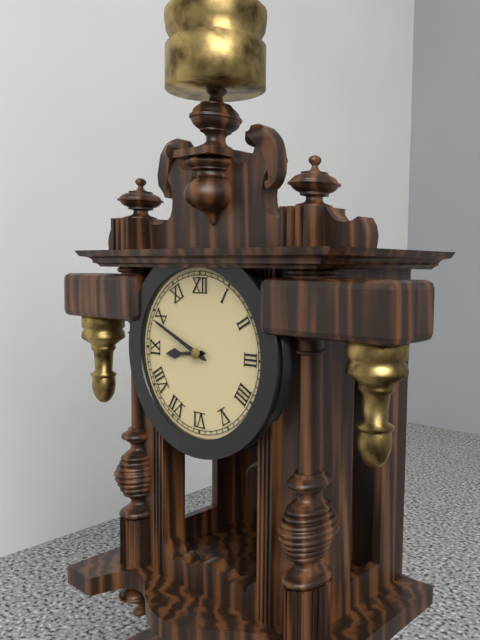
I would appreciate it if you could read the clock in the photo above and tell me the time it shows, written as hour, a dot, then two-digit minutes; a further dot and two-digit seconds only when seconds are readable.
8.49
